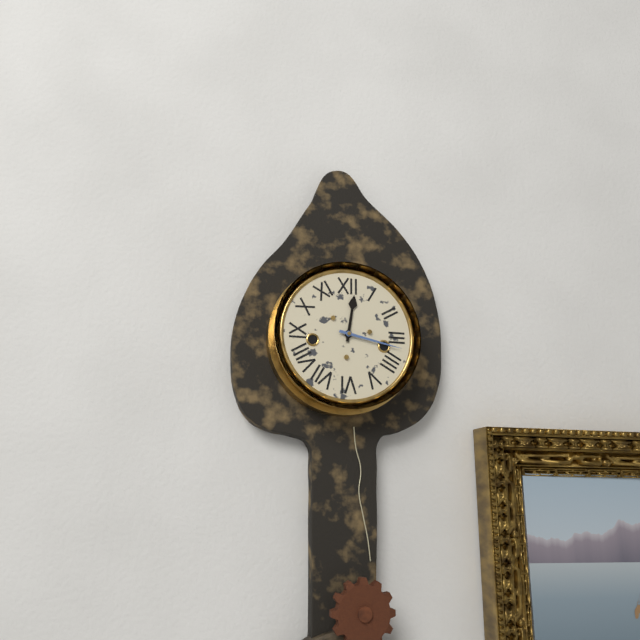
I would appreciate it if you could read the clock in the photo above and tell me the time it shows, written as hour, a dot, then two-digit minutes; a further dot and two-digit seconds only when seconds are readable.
12.17
